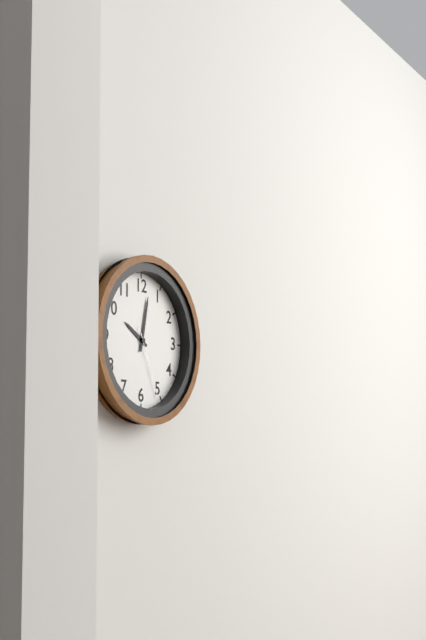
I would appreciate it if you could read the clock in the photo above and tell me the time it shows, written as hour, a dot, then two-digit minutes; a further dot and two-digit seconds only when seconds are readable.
10.02.26
